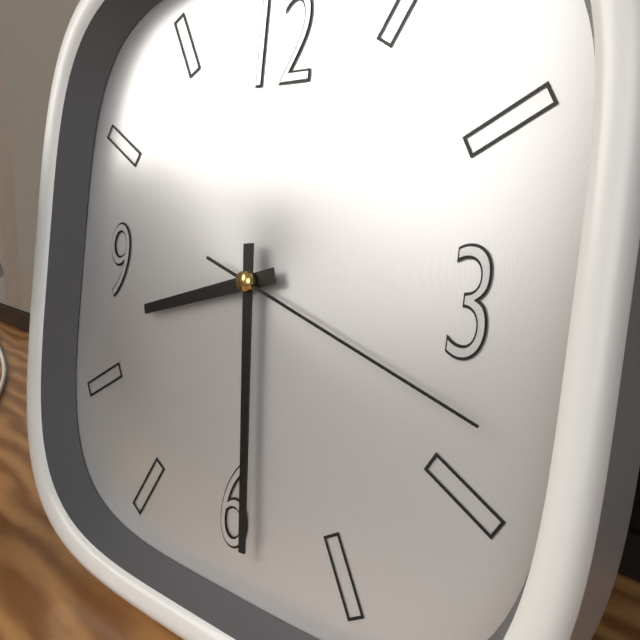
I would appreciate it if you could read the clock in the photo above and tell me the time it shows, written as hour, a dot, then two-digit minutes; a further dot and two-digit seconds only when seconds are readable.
8.29.18
